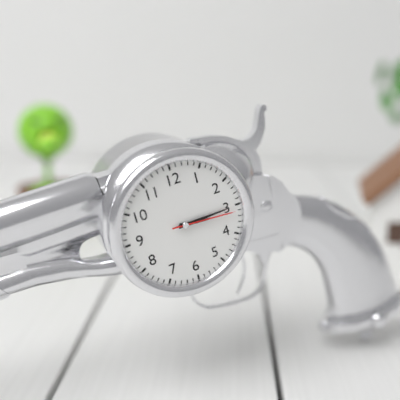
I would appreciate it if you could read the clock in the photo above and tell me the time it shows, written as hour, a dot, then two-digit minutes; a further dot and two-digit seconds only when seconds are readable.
3.15.16
